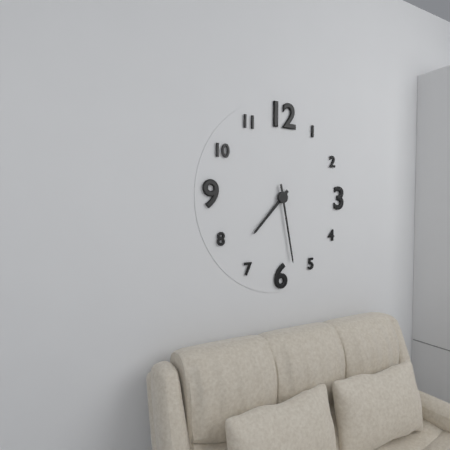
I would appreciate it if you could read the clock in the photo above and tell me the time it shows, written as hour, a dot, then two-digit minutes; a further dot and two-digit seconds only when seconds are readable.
7.28
